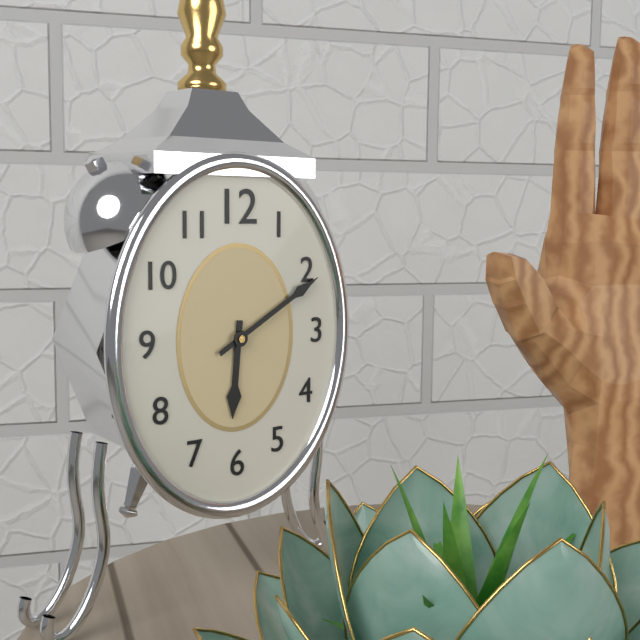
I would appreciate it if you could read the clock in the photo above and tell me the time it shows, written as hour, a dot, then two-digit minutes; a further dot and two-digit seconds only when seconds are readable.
6.10
